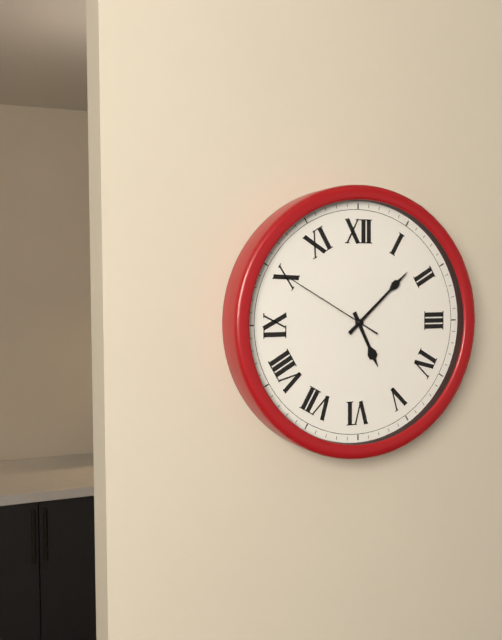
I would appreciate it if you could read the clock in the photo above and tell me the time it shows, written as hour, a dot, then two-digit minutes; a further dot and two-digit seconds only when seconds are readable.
5.08.50
